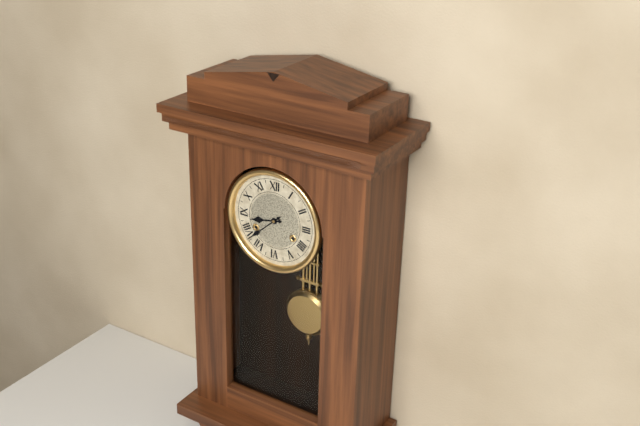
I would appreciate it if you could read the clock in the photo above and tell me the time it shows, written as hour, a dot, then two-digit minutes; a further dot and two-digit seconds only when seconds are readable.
8.38
